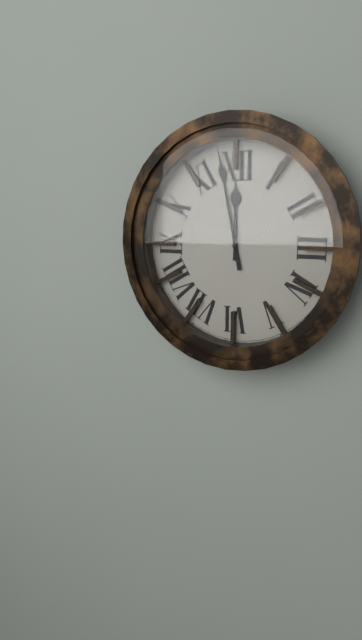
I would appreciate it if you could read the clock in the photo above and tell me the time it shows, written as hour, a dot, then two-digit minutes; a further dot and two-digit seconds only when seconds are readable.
11.58
